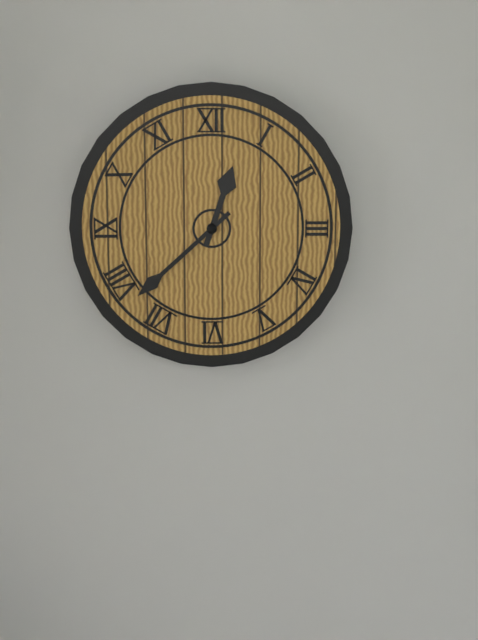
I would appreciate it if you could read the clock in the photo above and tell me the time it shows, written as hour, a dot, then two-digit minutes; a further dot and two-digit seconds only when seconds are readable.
12.38
